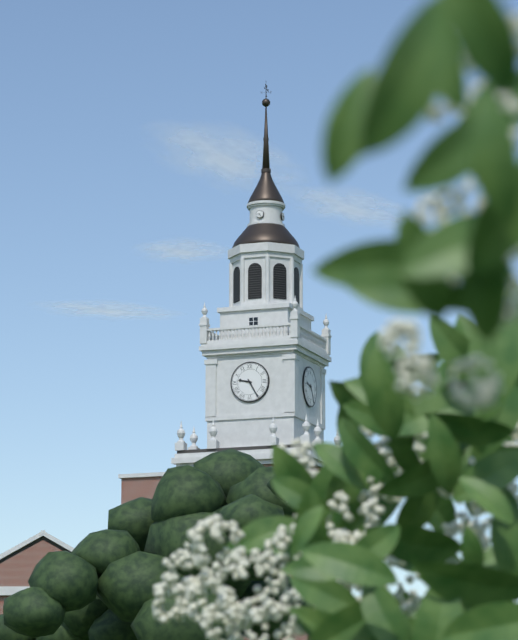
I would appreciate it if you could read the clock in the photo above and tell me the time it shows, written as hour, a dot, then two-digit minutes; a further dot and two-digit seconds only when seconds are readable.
9.25
